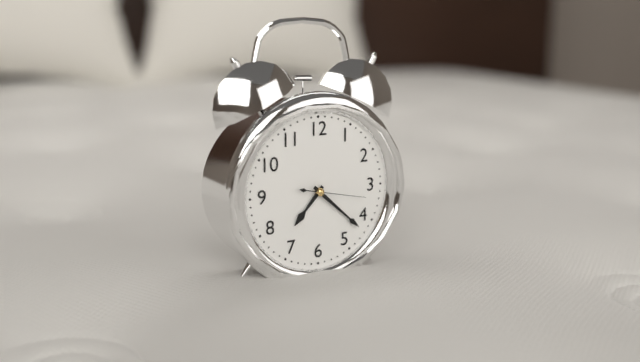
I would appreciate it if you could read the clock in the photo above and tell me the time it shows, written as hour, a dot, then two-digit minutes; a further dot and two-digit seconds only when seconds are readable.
7.22.17
